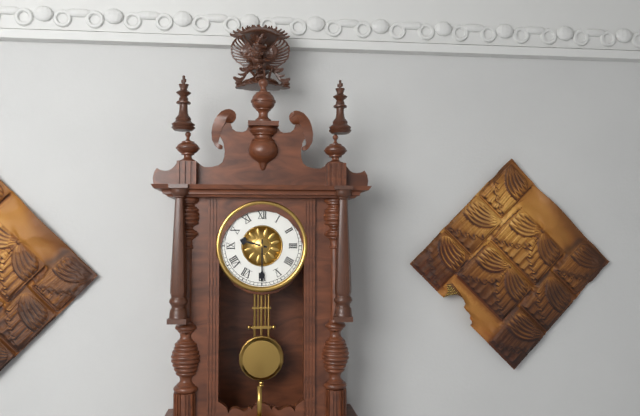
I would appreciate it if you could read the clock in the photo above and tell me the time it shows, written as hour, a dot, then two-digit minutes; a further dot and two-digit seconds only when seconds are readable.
9.30
